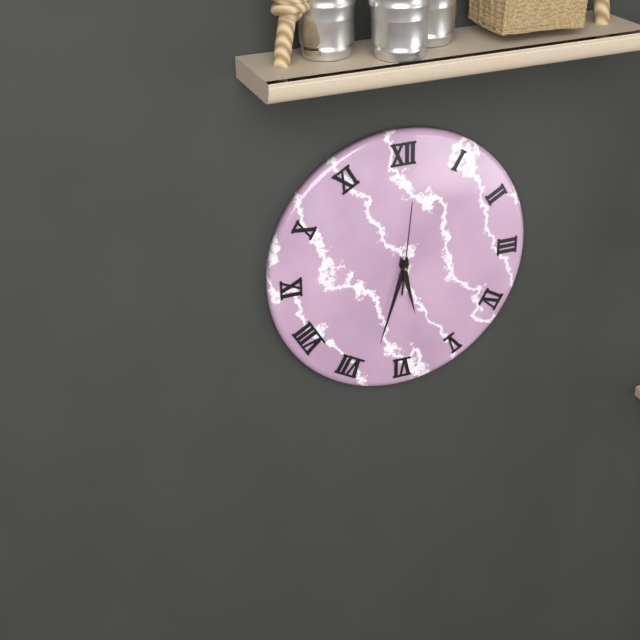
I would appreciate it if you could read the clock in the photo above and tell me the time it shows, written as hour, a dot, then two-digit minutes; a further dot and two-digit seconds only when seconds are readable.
5.33.01
